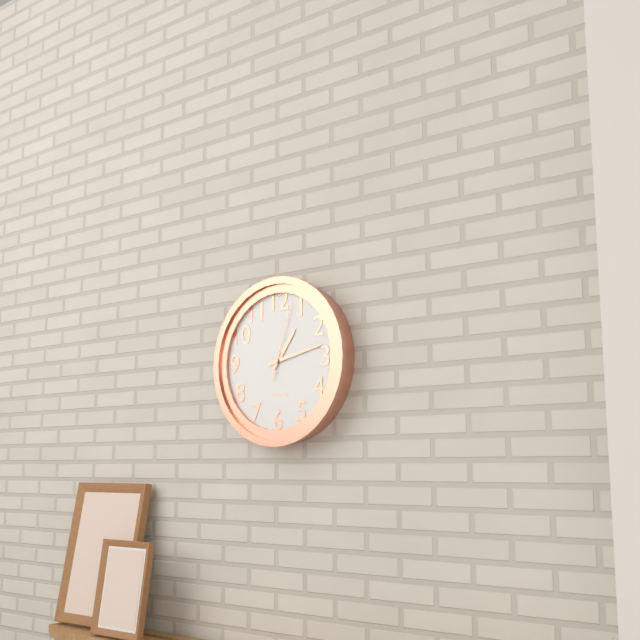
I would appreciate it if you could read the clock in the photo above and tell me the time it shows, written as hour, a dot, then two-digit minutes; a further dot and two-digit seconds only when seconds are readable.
1.13.03
